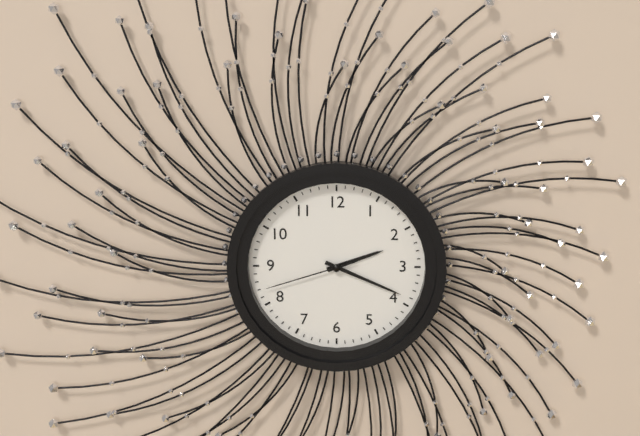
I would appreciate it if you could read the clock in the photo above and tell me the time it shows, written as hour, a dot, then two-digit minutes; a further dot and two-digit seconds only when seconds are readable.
2.19.42
